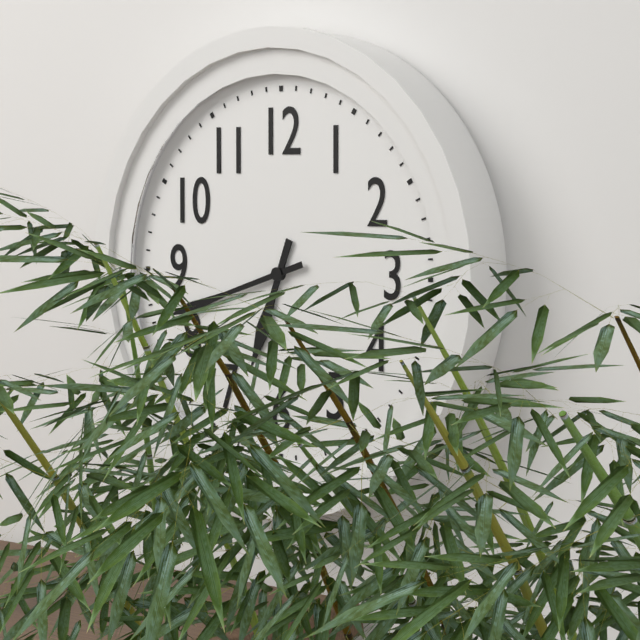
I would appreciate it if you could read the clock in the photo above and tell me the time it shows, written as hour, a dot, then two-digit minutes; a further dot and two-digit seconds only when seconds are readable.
6.42
